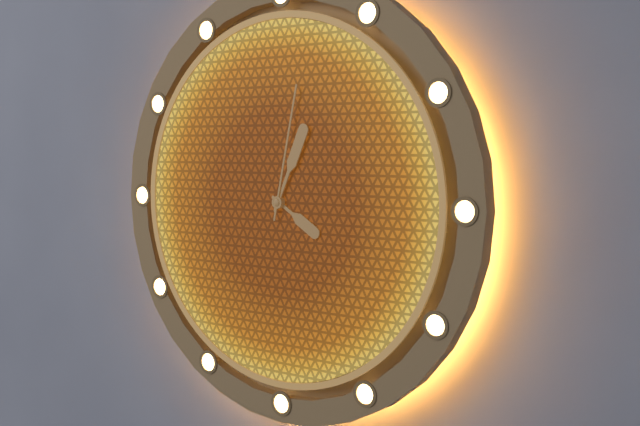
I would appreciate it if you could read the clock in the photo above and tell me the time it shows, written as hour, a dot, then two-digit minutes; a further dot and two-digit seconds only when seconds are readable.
4.04.02
